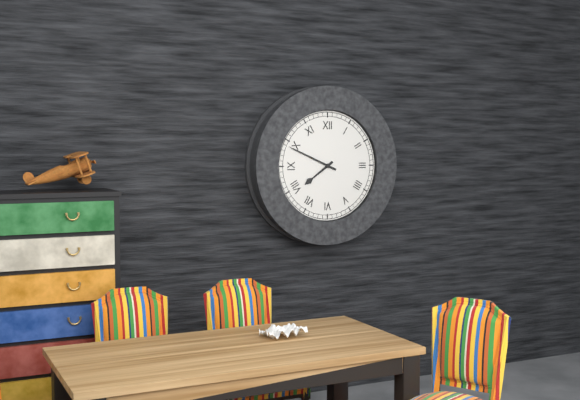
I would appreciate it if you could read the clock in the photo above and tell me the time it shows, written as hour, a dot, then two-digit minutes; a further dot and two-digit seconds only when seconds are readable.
7.49
